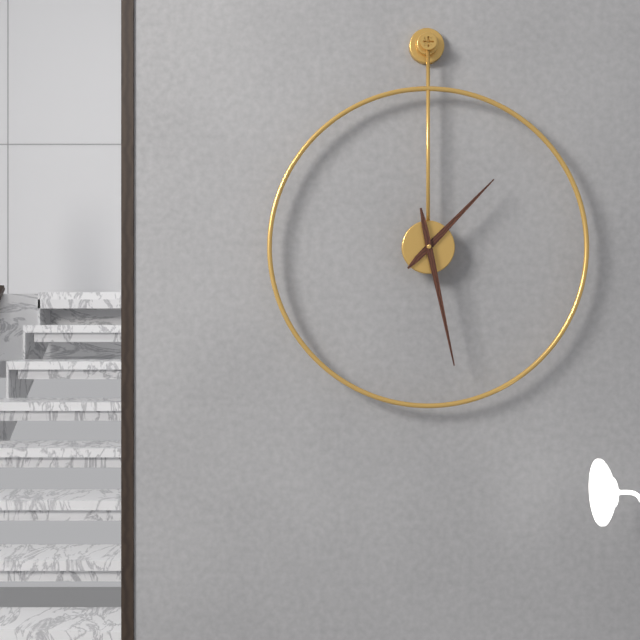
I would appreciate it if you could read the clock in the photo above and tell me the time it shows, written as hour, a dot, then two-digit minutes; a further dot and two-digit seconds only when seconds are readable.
1.28
